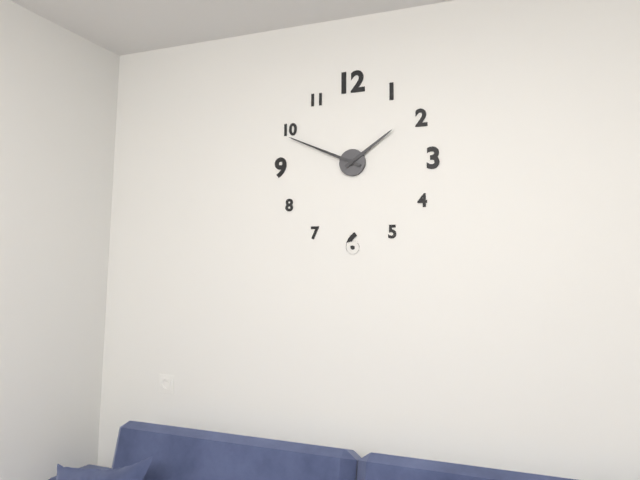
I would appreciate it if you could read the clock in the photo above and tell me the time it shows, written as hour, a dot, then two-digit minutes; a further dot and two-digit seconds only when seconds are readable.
1.49
